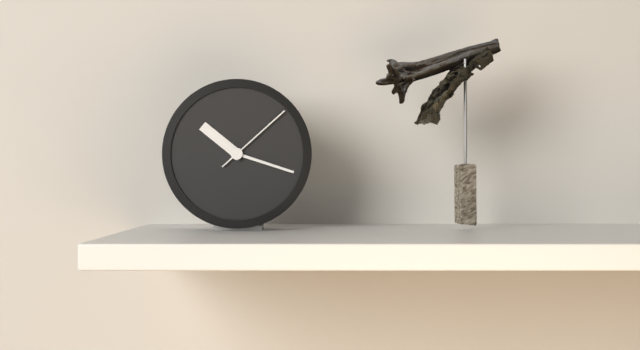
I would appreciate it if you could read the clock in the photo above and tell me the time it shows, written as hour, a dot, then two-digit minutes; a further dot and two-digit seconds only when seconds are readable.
10.18.08
